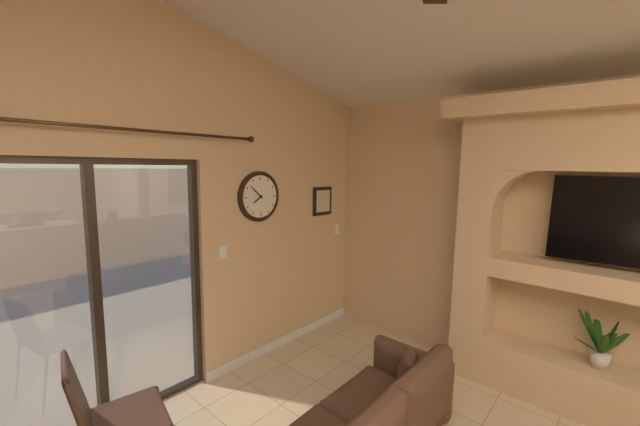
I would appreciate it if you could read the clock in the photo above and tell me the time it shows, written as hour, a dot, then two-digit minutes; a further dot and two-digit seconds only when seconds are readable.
7.52
